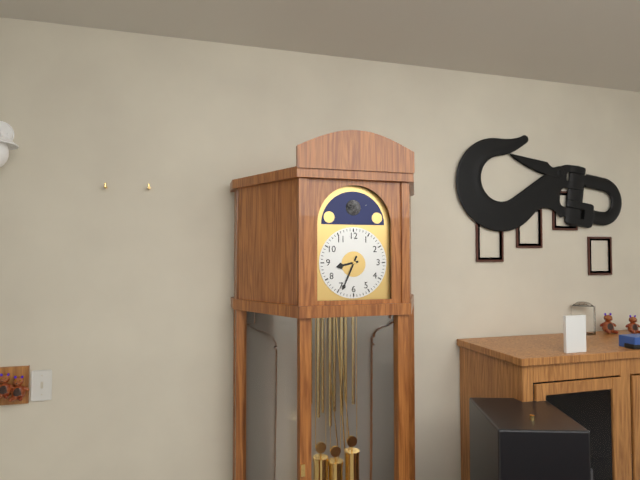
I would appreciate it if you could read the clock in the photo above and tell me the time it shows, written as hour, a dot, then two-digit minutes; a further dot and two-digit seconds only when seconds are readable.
8.34
